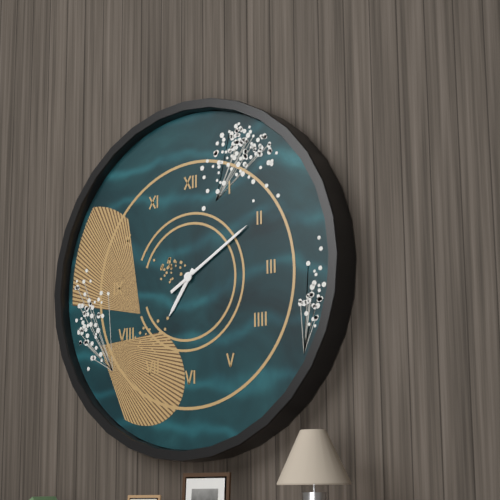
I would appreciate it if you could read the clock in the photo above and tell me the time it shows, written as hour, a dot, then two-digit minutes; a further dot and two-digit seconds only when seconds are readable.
7.10
